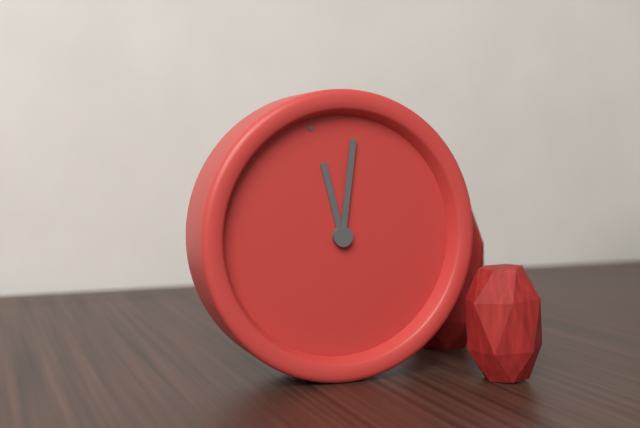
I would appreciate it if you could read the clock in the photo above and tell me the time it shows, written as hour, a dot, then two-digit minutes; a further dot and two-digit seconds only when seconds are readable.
12.04
